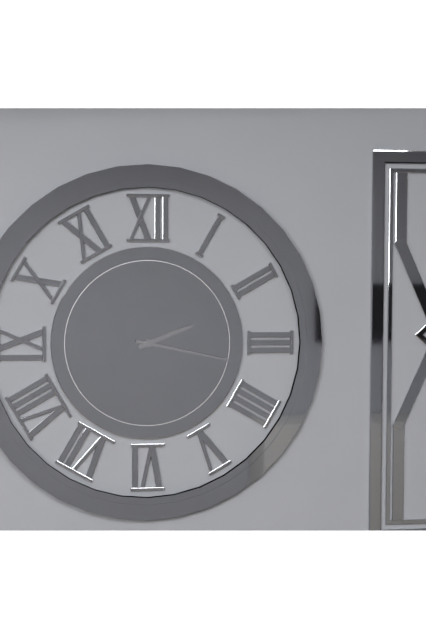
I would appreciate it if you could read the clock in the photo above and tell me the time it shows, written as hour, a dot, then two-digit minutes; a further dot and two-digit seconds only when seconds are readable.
2.17
